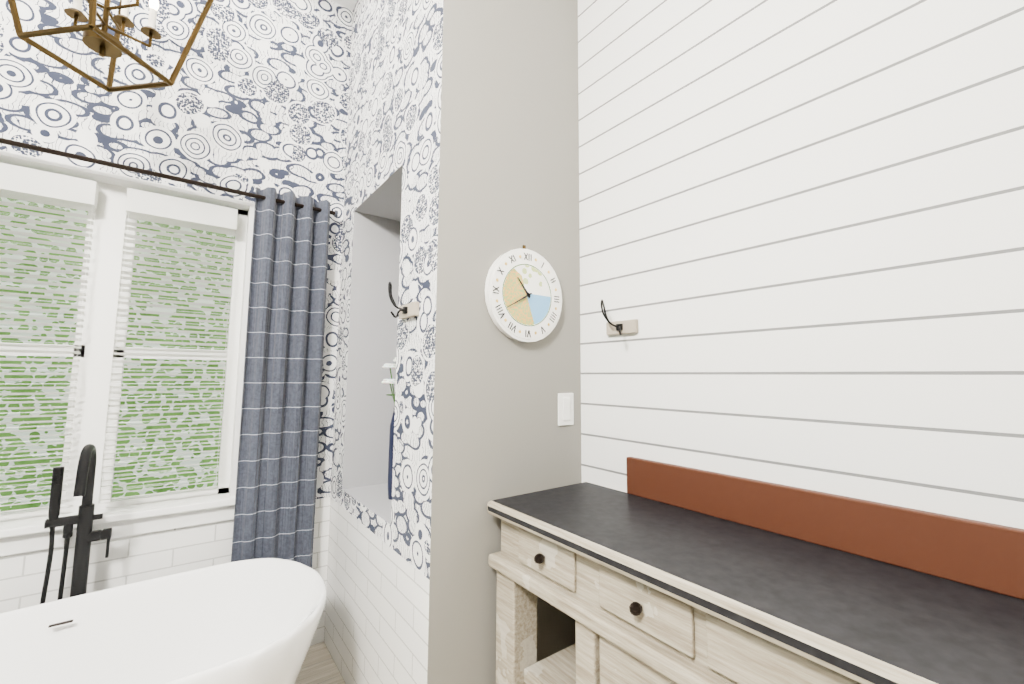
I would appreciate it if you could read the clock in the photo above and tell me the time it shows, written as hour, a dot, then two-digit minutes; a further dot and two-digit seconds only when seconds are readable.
10.40
